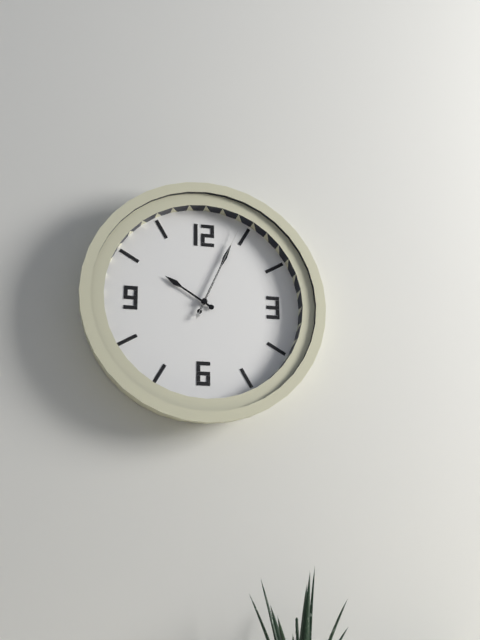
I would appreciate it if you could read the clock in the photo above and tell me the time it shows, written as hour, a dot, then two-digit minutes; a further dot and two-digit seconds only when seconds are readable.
10.04.04
